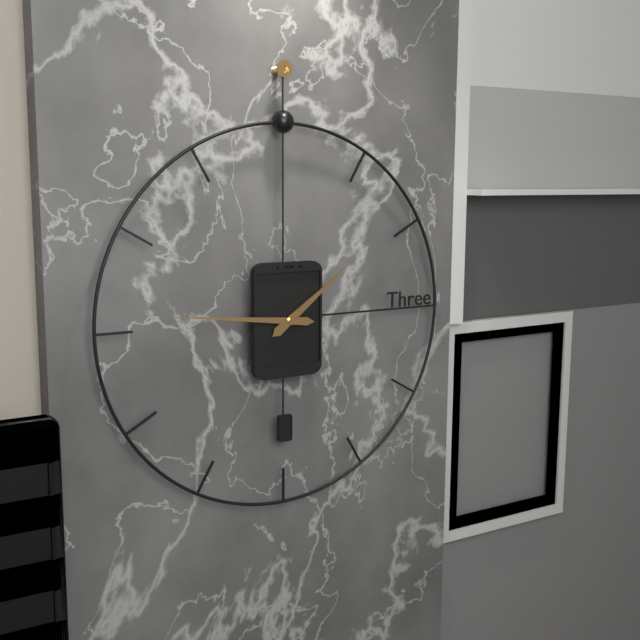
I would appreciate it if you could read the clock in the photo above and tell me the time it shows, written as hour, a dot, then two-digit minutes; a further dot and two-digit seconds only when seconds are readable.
1.46
